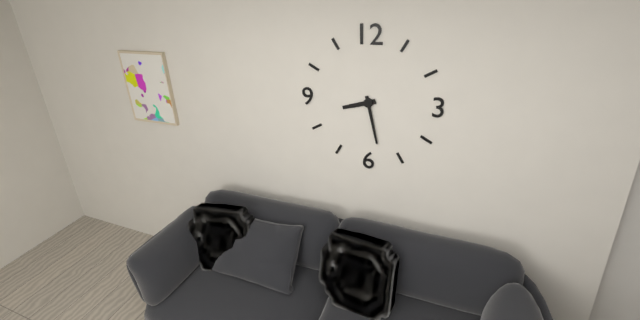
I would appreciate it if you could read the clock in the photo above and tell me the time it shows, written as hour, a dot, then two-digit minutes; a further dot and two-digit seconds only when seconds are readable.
8.28
